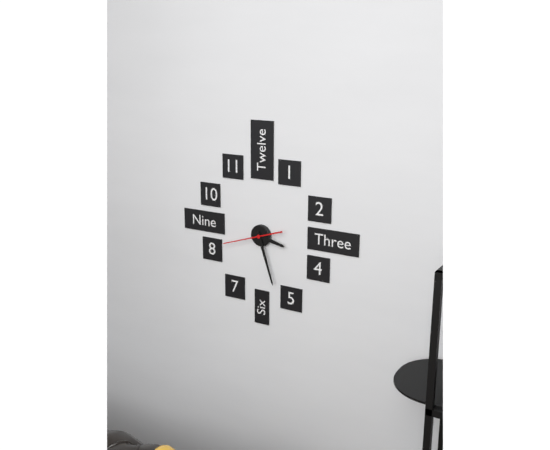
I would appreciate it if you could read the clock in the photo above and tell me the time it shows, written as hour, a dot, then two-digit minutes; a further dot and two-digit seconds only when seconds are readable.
3.27
